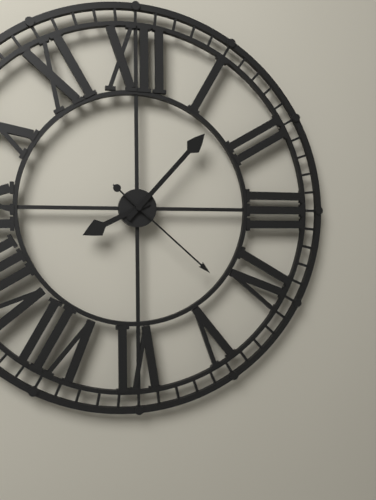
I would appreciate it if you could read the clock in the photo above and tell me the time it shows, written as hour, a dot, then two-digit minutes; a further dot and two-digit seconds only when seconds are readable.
8.07.22
